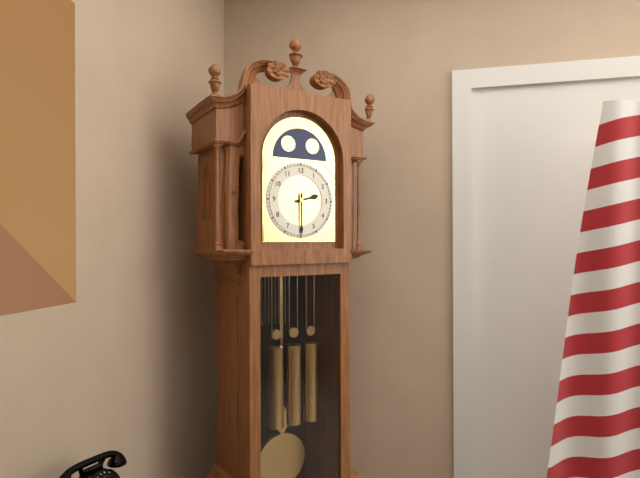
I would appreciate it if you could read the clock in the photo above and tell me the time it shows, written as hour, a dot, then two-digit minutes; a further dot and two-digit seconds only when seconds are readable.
2.30
